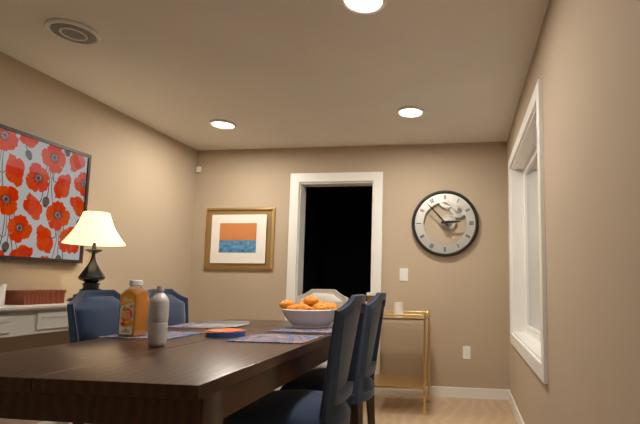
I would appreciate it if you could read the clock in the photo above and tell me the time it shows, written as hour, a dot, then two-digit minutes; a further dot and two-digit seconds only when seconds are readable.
2.53
